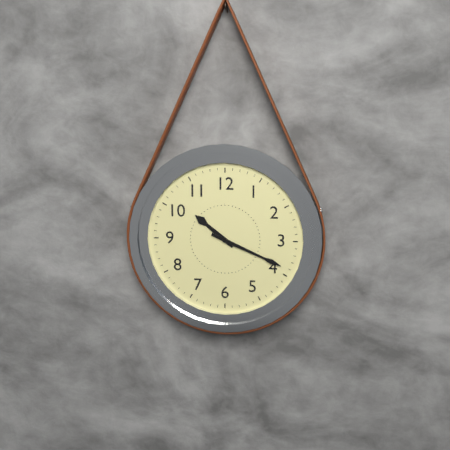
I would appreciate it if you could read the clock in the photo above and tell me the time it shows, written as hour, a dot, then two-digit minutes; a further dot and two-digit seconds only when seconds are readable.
10.19
